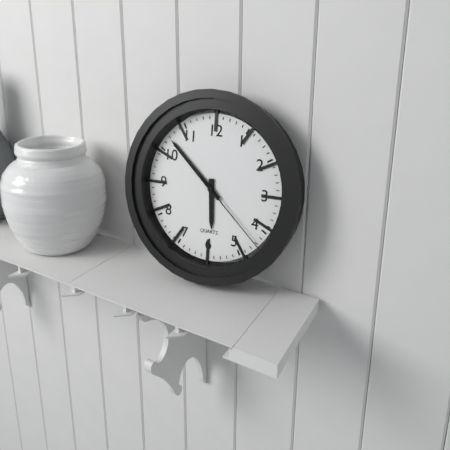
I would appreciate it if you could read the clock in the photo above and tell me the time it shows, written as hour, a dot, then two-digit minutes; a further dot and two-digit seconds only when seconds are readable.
5.52.22
